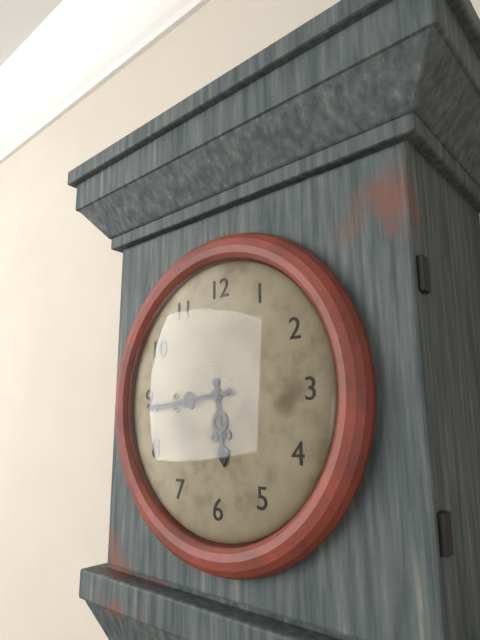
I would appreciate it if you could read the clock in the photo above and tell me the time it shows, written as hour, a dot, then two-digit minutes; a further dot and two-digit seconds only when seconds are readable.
5.44
